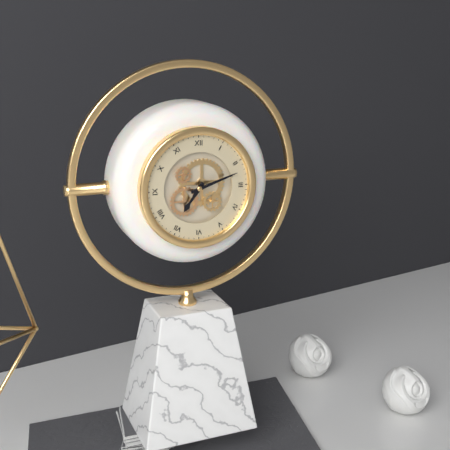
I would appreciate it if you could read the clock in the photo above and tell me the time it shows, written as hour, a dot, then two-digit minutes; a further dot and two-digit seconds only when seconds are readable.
7.12
